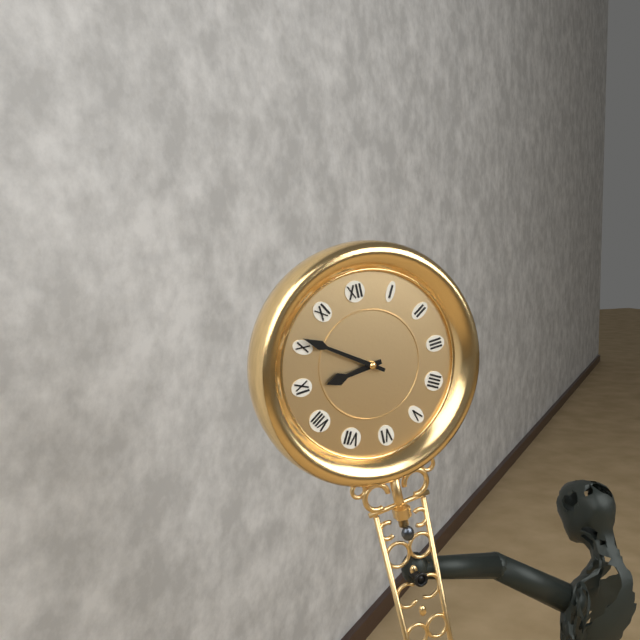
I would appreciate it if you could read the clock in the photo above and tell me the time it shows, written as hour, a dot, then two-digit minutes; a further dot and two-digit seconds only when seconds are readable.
8.51
